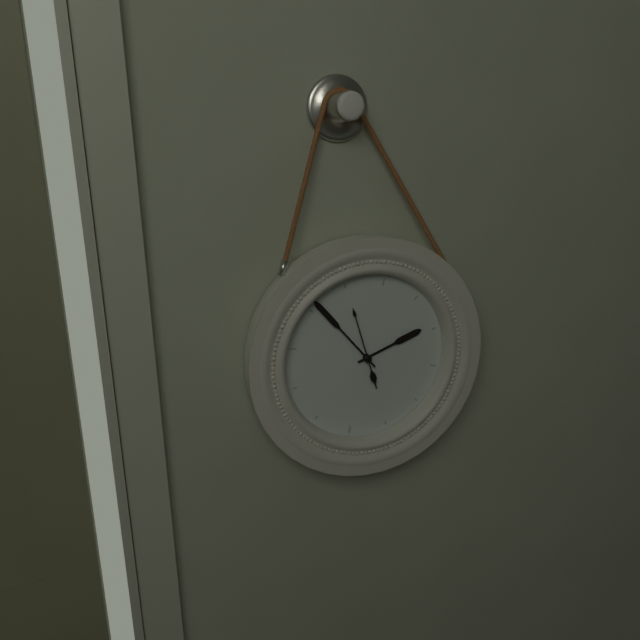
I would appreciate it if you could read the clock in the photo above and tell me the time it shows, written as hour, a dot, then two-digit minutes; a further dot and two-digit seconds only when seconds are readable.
1.51.55
